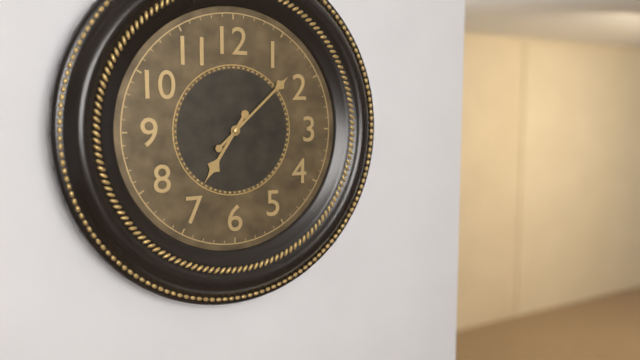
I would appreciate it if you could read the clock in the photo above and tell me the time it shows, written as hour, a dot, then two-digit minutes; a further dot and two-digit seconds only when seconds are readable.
7.08
